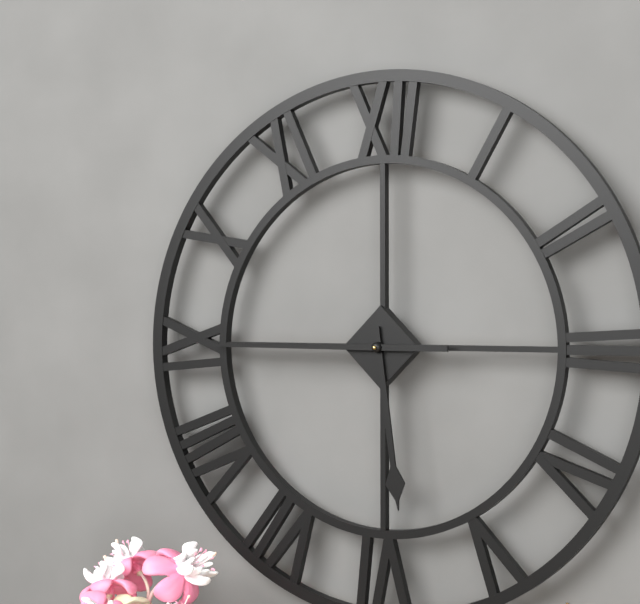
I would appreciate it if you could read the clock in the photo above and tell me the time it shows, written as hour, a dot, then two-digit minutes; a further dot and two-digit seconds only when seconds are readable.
5.45
